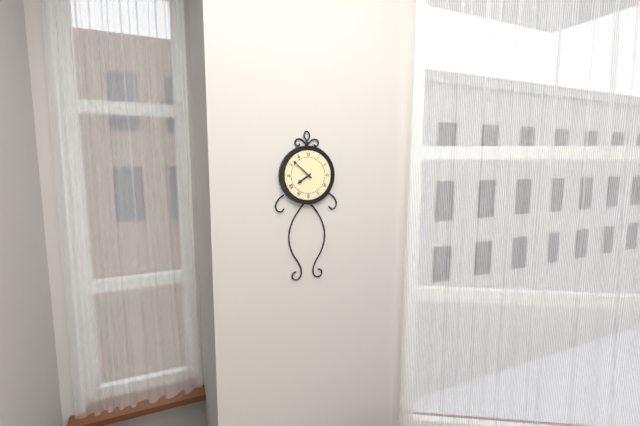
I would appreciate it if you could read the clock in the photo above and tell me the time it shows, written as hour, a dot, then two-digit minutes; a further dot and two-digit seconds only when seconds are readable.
7.52
